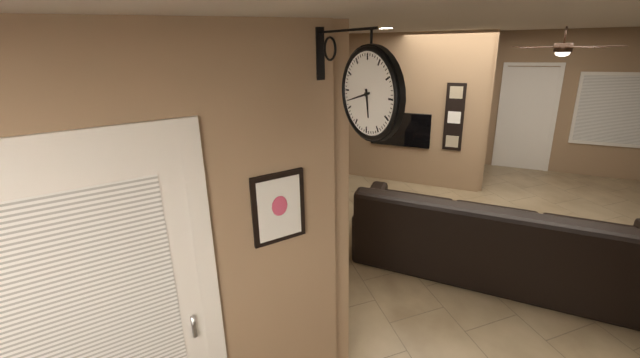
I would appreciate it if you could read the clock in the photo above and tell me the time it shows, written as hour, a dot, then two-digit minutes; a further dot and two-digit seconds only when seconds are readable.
5.42
